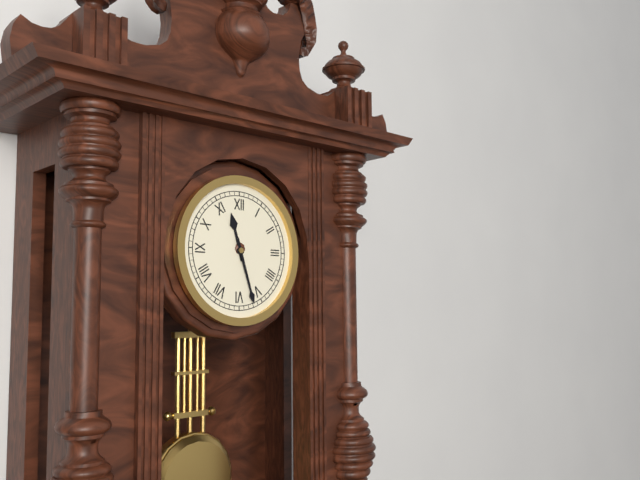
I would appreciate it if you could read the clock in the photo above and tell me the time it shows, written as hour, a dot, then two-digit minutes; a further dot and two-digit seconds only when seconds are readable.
11.27
